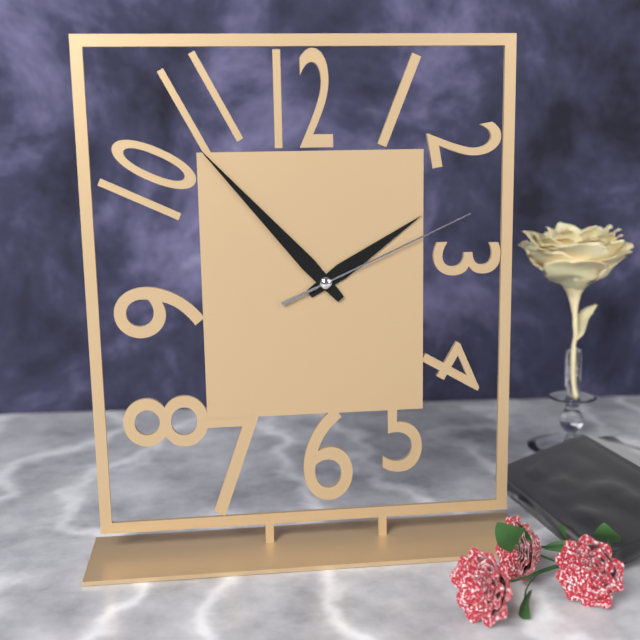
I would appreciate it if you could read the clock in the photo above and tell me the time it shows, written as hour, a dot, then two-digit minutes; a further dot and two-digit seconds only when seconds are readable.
1.53.11
